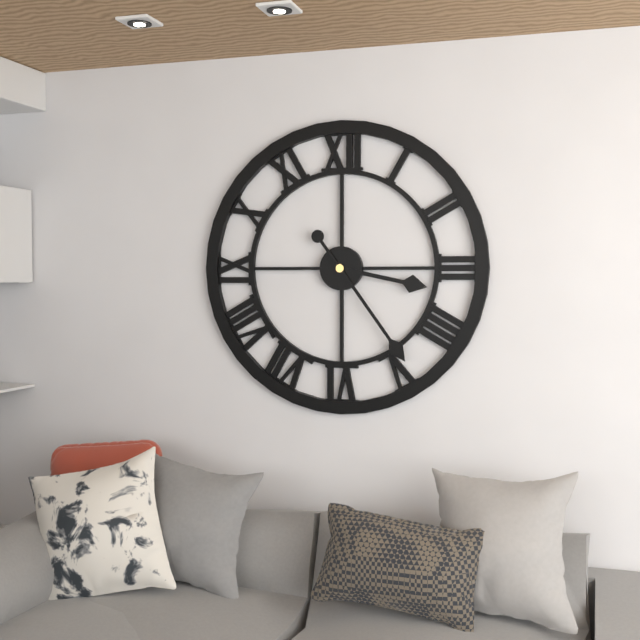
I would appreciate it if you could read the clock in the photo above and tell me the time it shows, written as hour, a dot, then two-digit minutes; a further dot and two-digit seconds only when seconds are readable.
3.24
